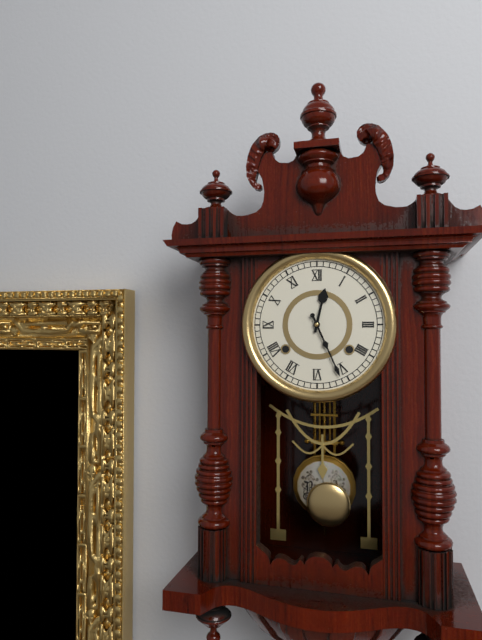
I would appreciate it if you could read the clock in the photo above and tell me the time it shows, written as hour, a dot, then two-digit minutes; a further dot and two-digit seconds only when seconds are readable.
12.26
